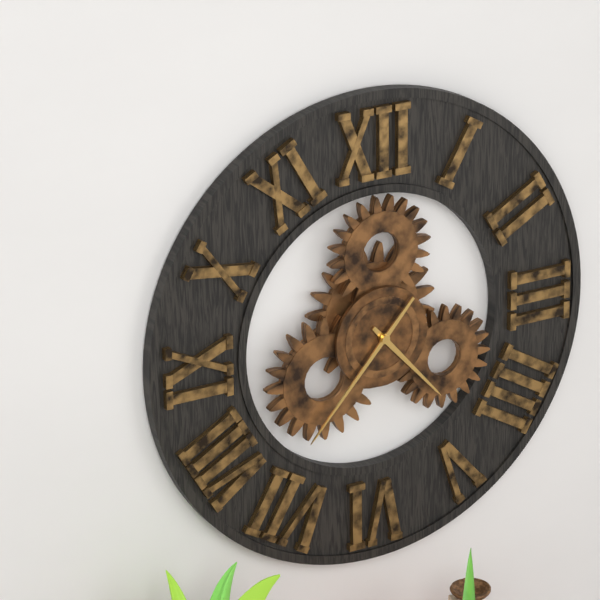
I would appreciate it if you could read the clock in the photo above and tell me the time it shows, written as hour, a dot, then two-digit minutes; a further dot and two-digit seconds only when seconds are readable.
4.37
